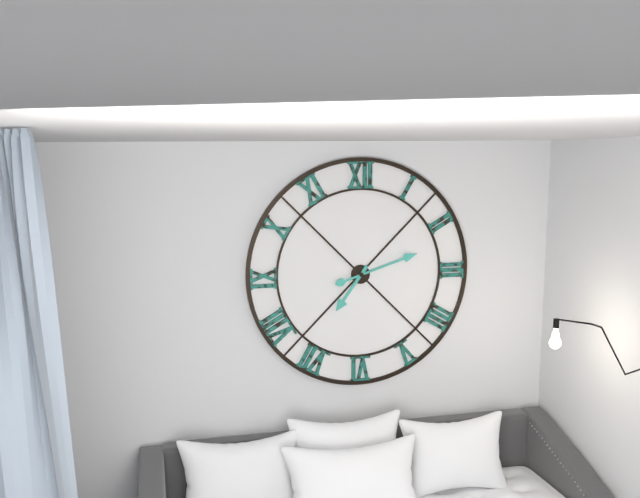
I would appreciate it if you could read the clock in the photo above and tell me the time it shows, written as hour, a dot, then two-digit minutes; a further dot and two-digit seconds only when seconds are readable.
7.12
